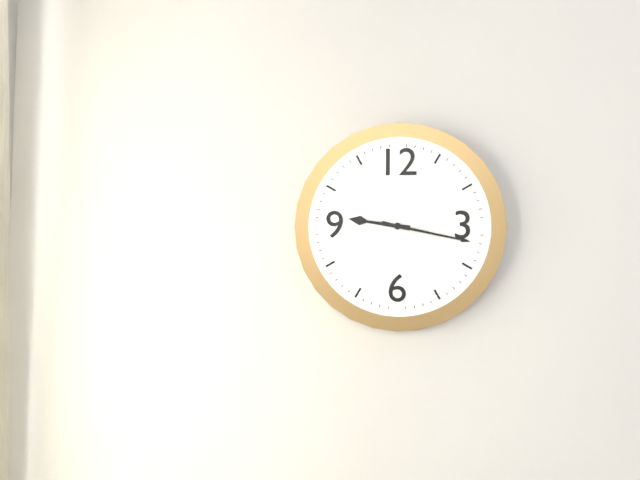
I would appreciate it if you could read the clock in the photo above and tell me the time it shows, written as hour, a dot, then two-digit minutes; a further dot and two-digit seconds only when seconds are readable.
9.17
